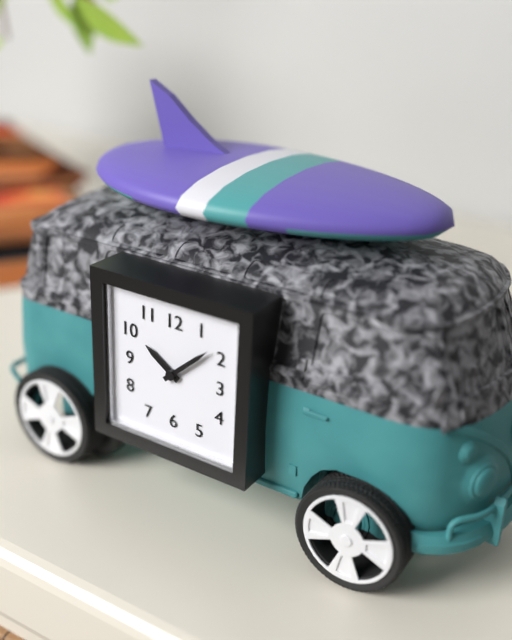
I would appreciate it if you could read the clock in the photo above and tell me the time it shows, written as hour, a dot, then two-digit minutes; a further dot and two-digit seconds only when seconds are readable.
10.08
